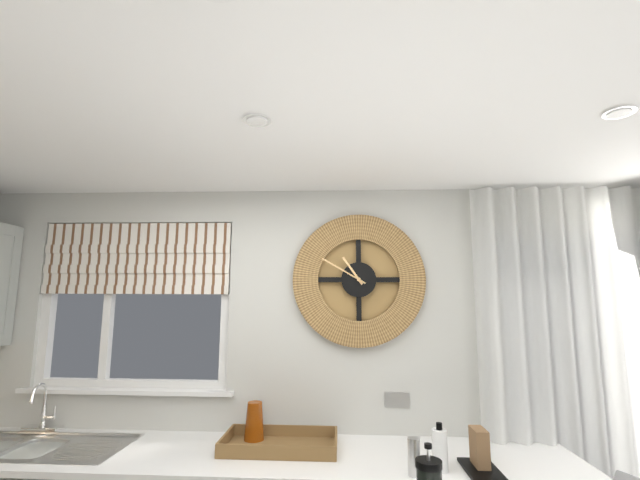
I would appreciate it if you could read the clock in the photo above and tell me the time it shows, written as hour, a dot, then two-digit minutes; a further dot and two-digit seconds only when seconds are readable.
10.50
